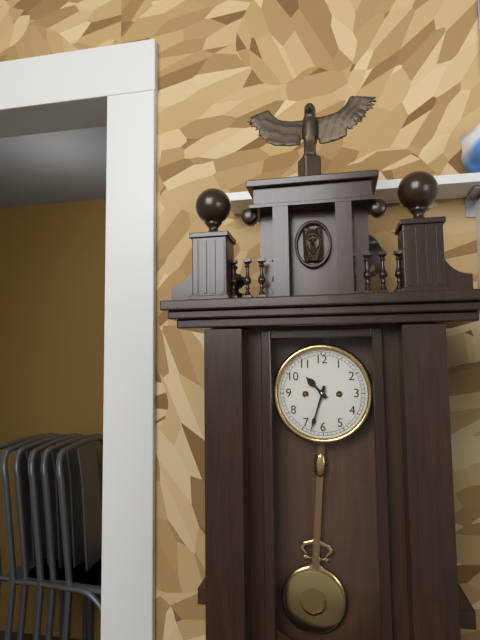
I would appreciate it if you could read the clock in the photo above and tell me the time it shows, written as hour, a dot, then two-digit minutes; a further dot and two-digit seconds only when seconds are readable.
10.33
